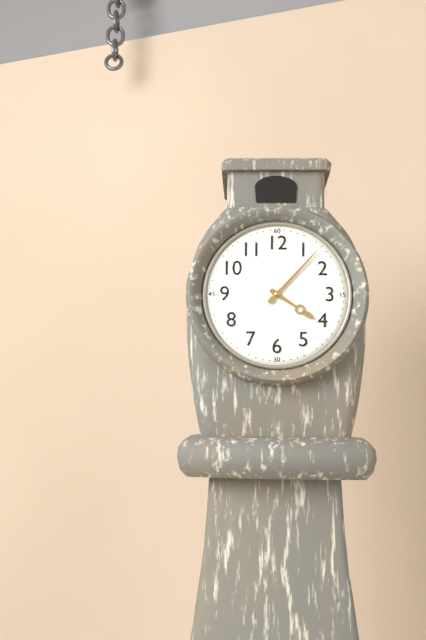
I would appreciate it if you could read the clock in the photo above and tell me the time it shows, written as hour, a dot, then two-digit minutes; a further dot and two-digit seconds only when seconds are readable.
4.07
